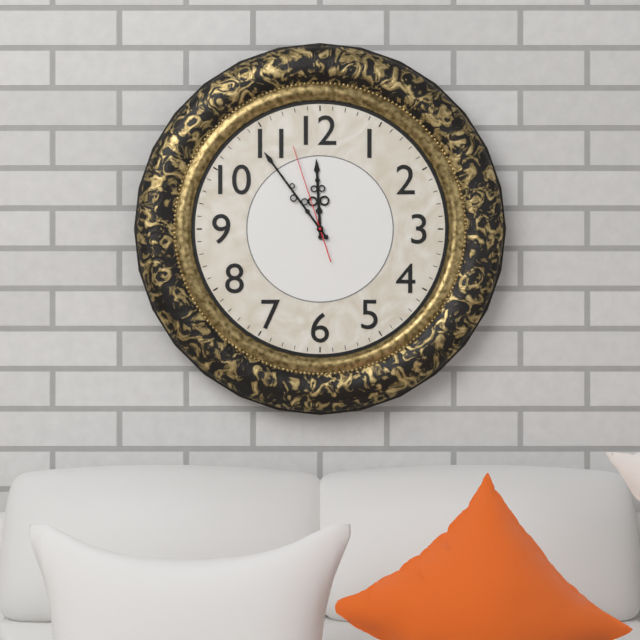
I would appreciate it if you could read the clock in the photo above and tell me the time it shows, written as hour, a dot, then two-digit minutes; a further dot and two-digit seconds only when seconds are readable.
11.54.57
